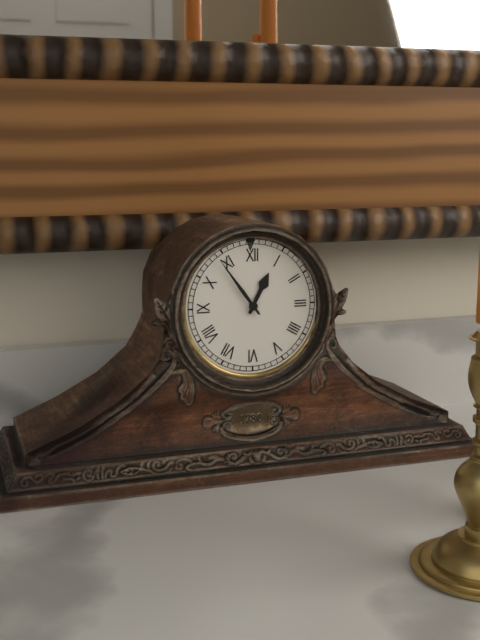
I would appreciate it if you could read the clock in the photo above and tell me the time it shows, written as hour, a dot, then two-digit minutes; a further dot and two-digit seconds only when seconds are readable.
12.54
